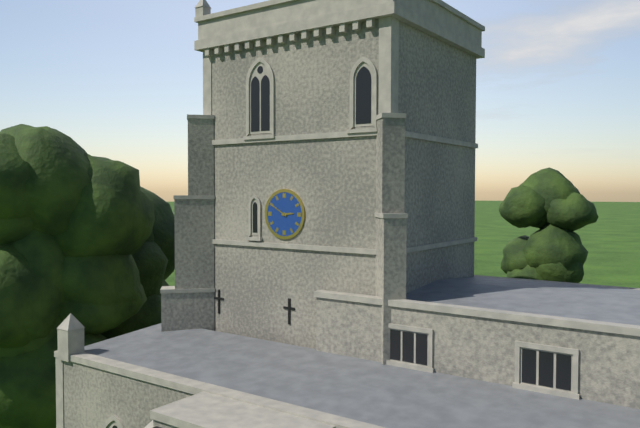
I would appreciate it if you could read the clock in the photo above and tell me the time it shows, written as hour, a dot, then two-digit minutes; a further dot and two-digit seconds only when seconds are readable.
2.50
